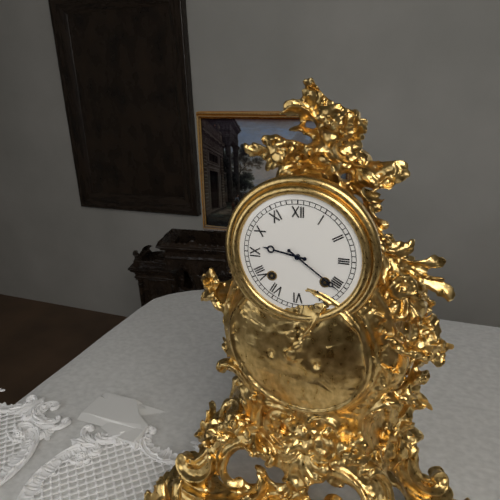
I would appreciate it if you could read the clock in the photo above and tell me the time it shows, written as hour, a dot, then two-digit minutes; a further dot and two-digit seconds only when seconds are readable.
9.21
